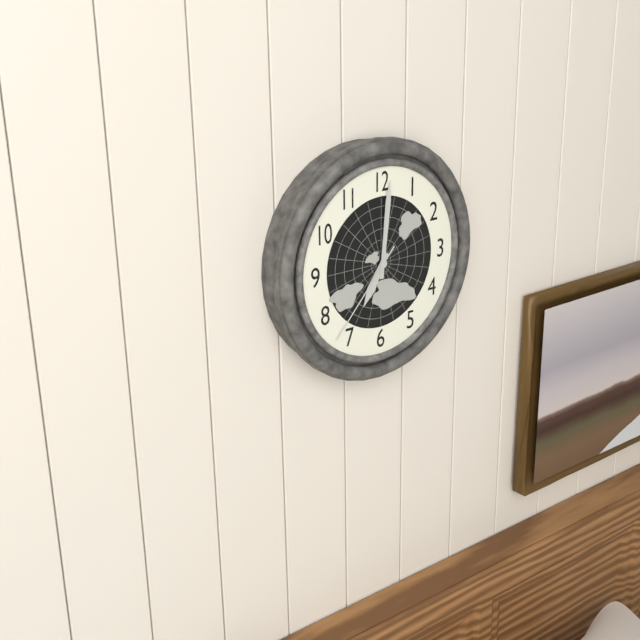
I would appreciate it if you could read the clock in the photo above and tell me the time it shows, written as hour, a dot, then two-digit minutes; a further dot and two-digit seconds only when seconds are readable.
7.01.37
